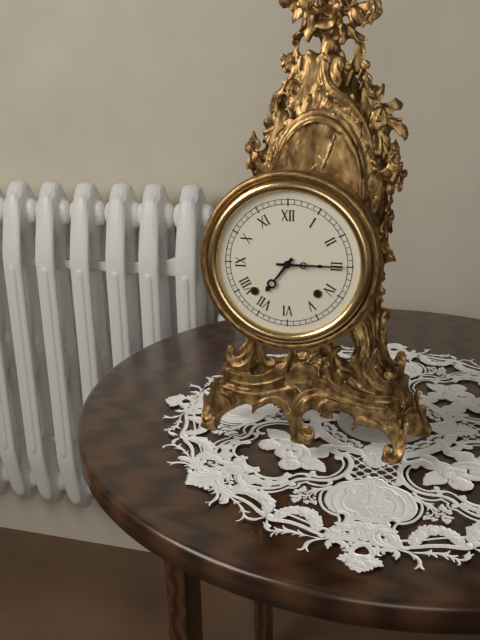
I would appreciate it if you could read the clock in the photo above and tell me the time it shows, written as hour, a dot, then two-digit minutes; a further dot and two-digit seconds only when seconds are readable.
7.15
